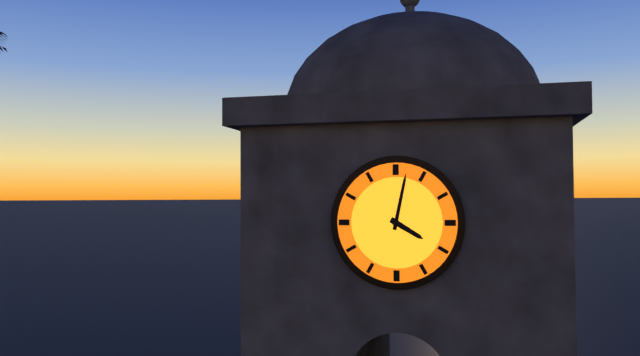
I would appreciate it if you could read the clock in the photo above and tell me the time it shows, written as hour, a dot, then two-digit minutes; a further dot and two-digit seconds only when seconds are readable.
4.02
